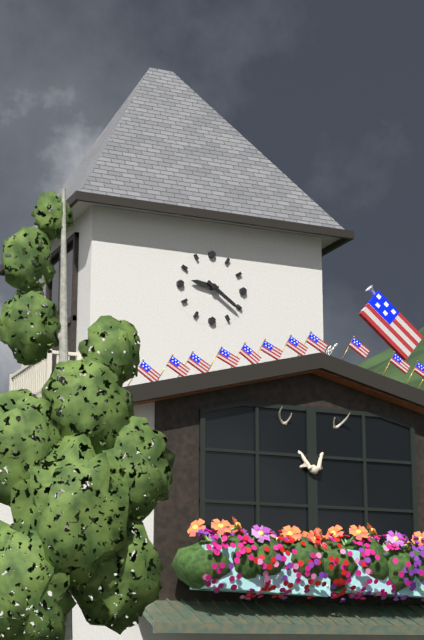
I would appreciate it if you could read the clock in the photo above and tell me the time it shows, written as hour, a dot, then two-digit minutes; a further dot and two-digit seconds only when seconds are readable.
9.21
